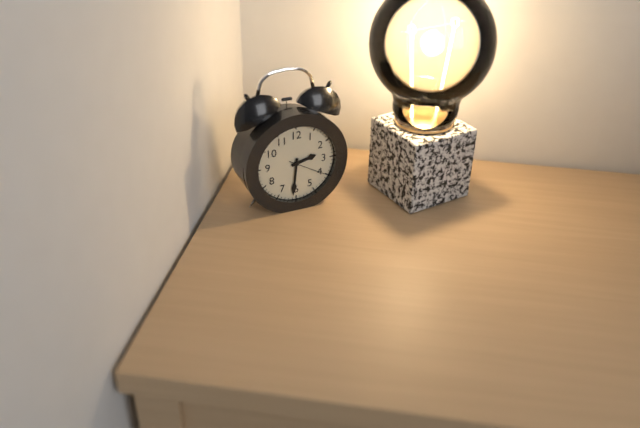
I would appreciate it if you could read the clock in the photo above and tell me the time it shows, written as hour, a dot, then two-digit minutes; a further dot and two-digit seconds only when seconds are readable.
2.31
